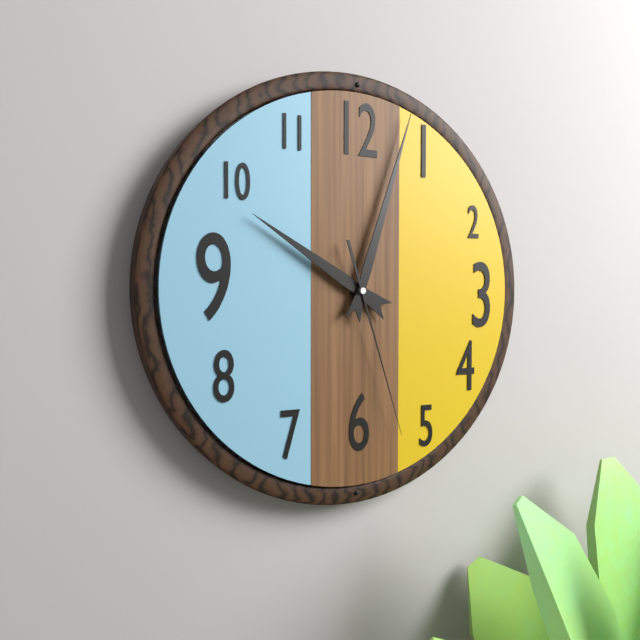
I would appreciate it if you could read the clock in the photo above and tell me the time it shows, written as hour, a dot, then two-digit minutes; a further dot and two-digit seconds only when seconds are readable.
10.03.27
